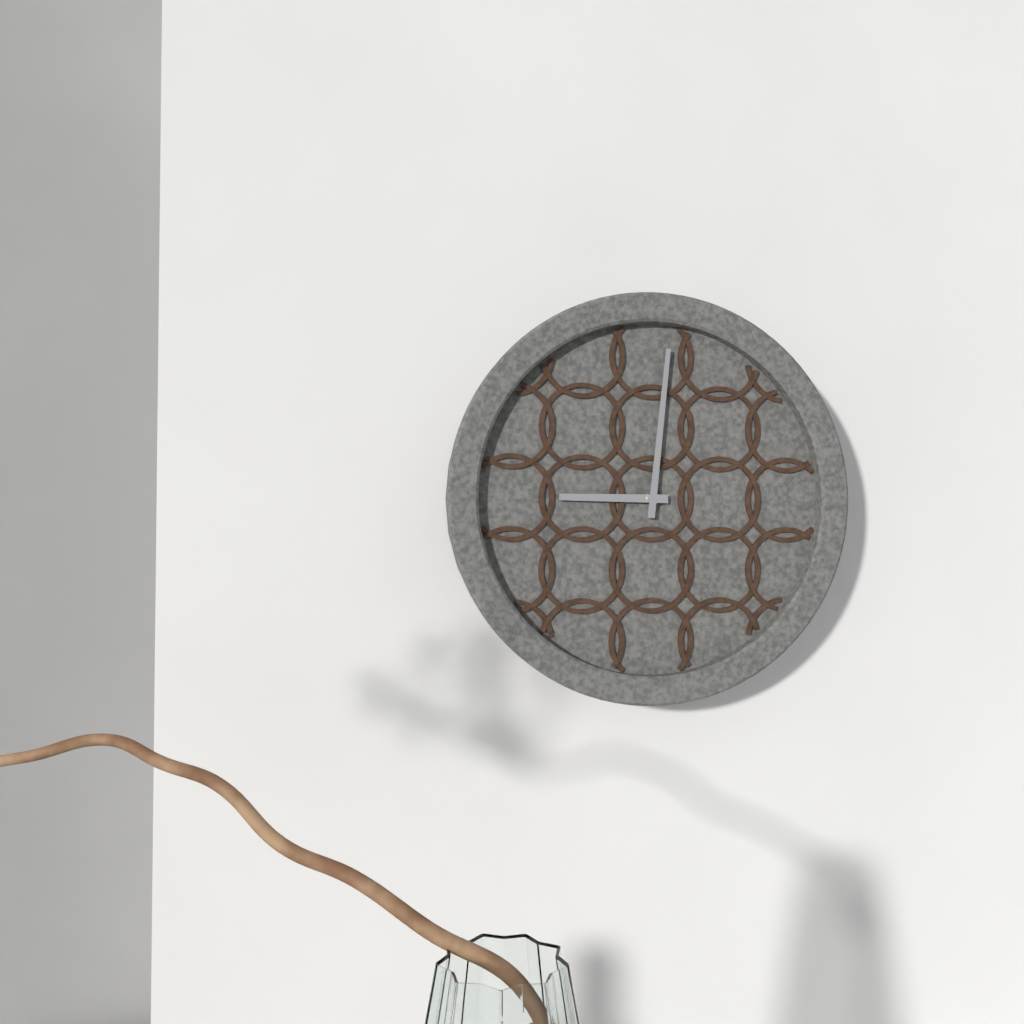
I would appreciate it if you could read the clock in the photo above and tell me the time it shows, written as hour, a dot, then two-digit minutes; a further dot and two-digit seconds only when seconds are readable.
9.01
